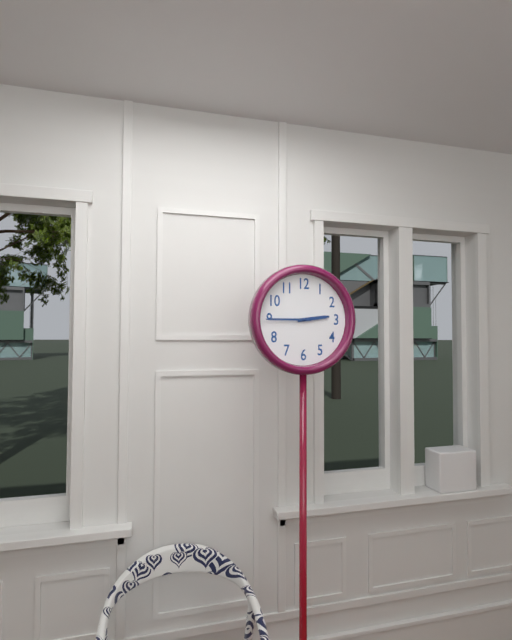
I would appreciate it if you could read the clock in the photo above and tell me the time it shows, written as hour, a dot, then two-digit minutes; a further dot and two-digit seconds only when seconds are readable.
2.45
